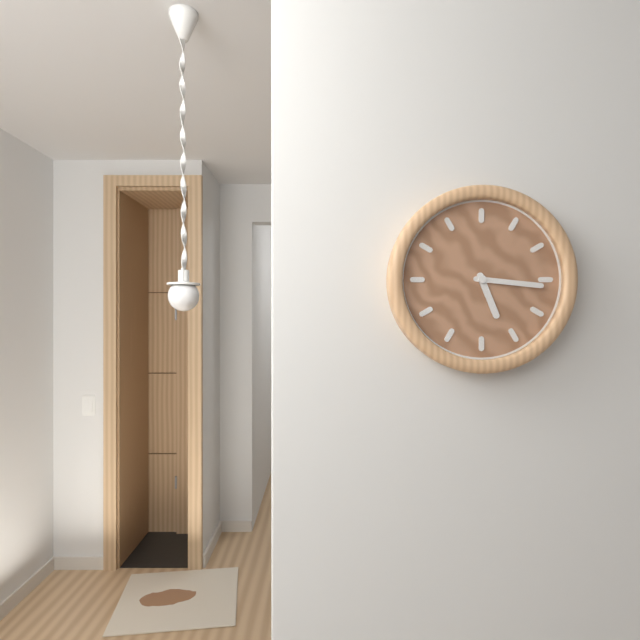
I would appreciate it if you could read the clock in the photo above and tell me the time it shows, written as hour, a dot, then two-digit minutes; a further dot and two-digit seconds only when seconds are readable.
5.16
